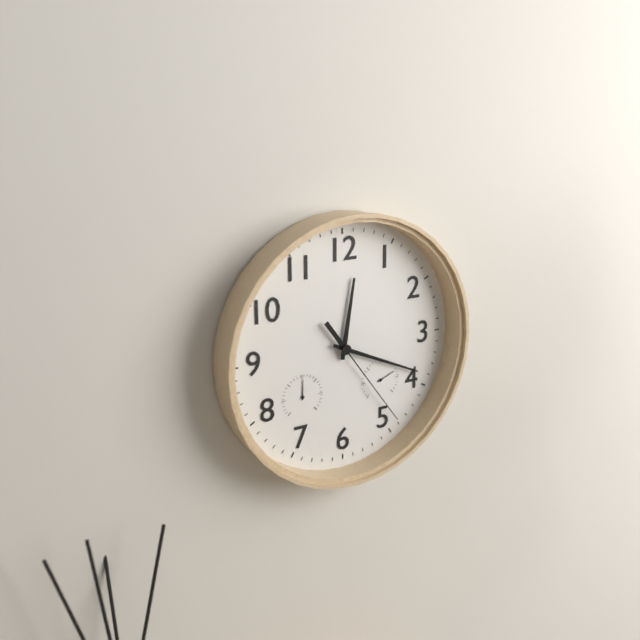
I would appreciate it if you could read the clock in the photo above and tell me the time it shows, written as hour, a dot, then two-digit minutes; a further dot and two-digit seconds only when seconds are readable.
12.19.24
